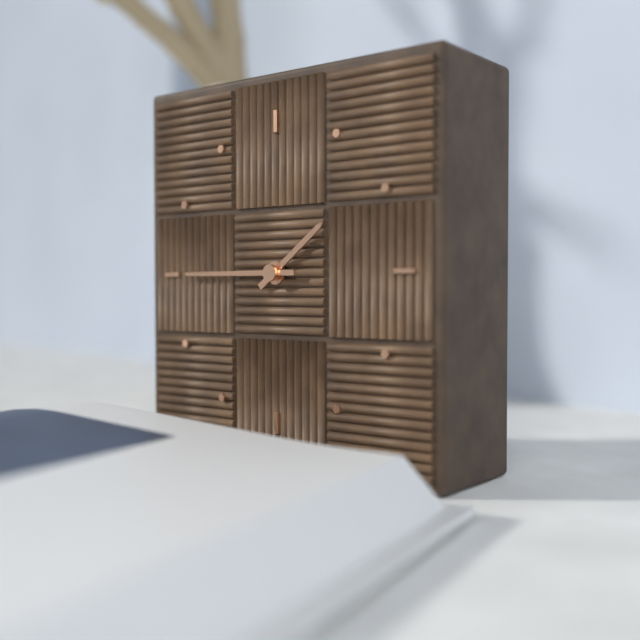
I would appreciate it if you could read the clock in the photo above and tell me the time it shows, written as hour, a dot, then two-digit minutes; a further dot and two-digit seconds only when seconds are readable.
1.45
